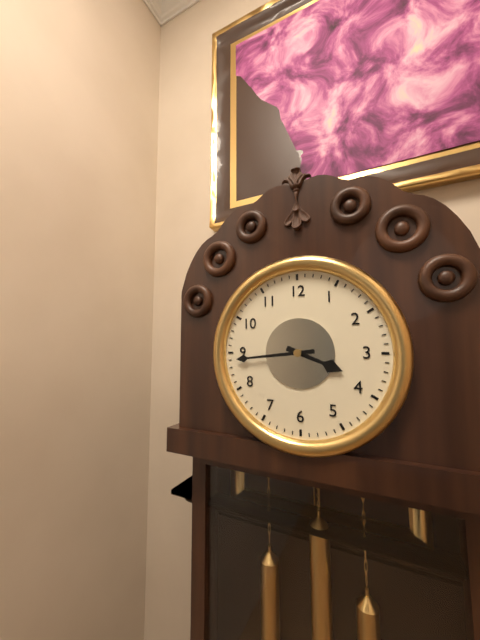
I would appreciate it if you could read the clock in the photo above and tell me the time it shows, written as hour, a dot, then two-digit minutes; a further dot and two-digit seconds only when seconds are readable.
3.44
